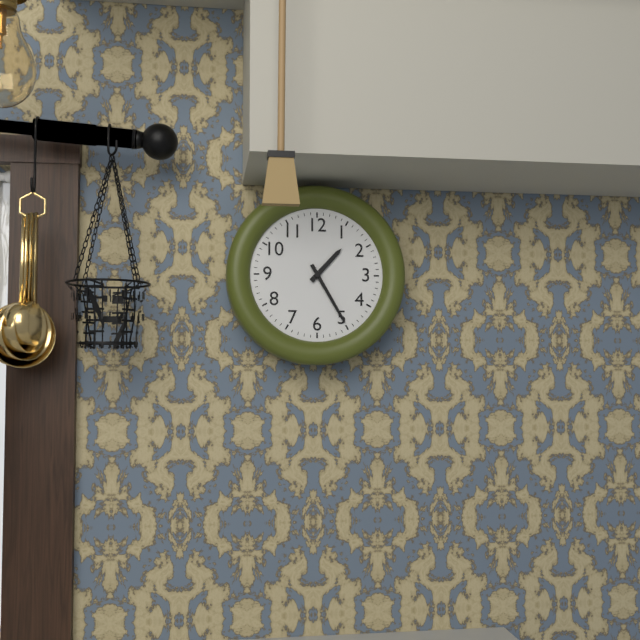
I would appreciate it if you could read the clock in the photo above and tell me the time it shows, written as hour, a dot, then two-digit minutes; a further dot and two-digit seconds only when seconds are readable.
1.25
